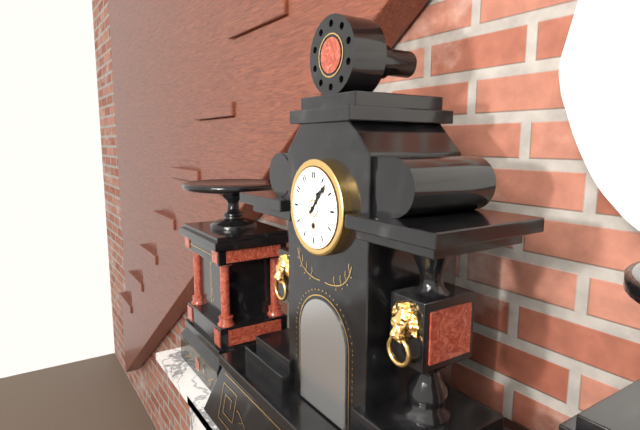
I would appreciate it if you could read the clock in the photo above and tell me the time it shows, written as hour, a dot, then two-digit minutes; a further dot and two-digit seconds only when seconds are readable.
1.07
